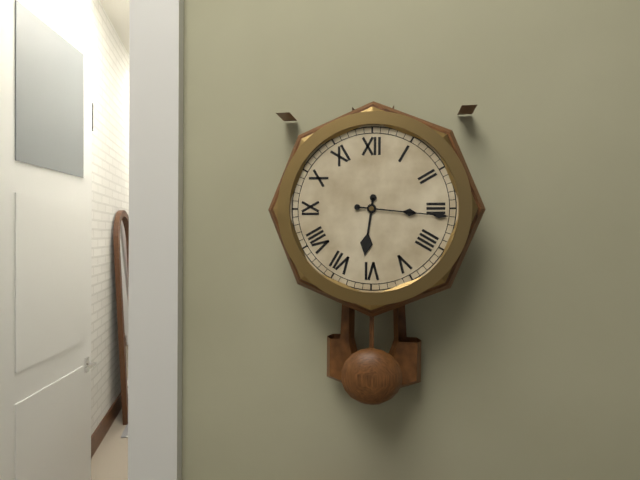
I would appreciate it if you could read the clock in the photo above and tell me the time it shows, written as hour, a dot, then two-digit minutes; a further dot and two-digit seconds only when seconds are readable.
6.16
